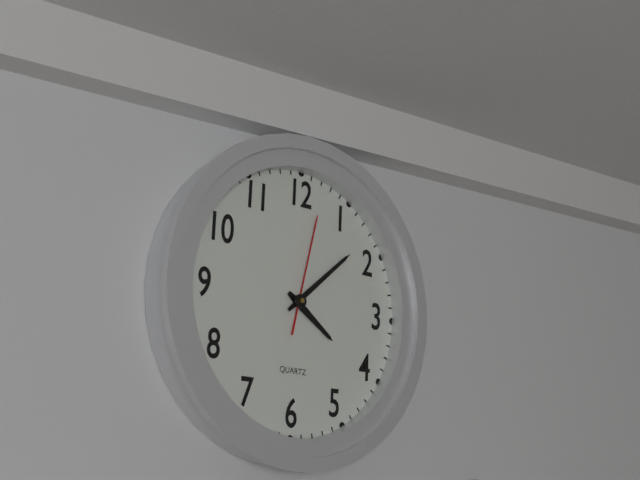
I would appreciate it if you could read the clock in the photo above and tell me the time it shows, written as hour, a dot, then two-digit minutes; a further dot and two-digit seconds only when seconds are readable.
4.08.02
